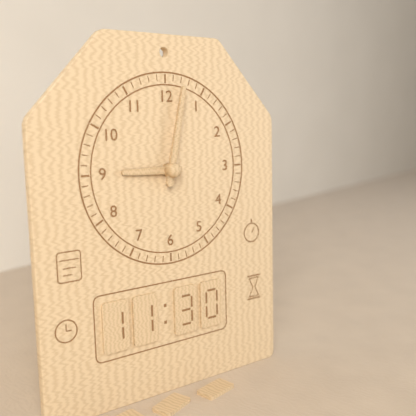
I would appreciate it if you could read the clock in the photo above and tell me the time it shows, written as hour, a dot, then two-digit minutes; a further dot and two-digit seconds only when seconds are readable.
9.02
